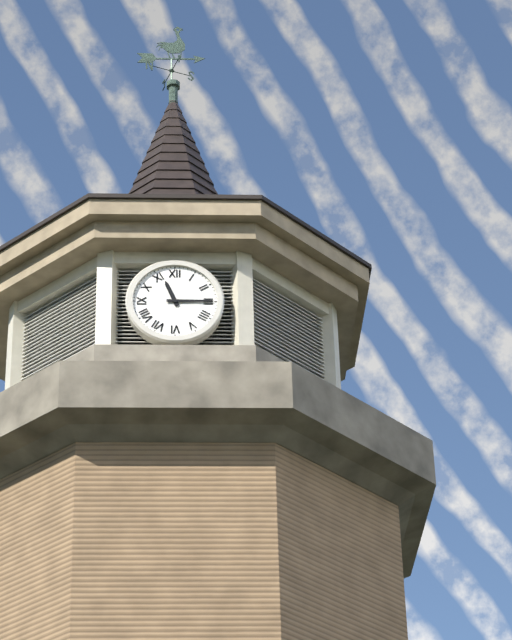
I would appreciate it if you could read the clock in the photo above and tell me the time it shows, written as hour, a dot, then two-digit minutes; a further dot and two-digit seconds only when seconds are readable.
11.15
